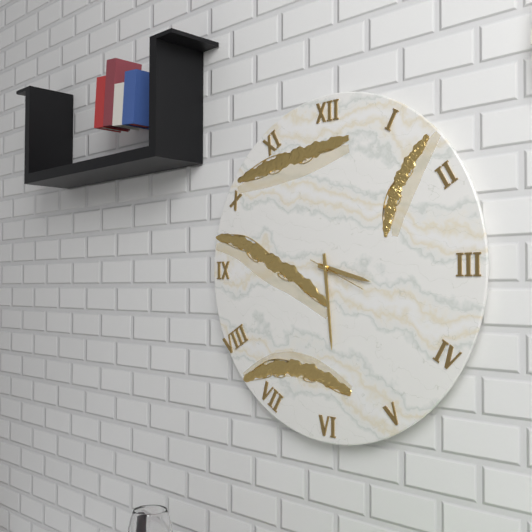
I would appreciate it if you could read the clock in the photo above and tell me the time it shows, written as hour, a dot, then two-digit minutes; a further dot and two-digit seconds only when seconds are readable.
3.29
